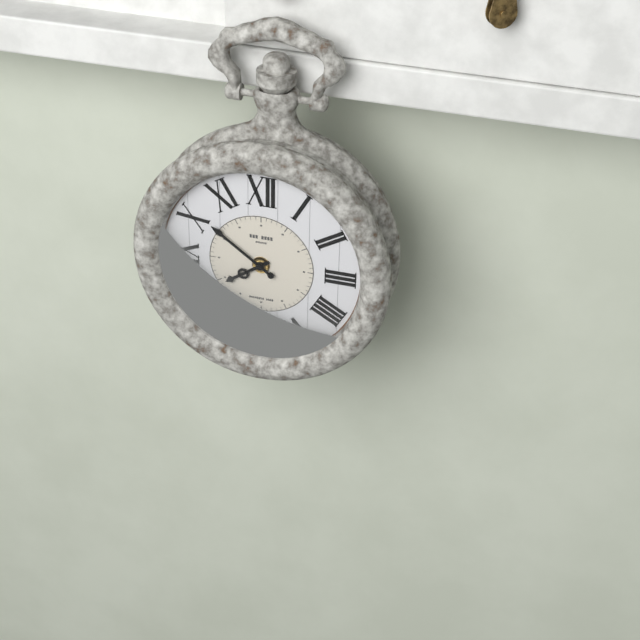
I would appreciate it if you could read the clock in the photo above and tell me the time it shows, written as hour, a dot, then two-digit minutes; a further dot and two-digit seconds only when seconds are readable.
7.51
